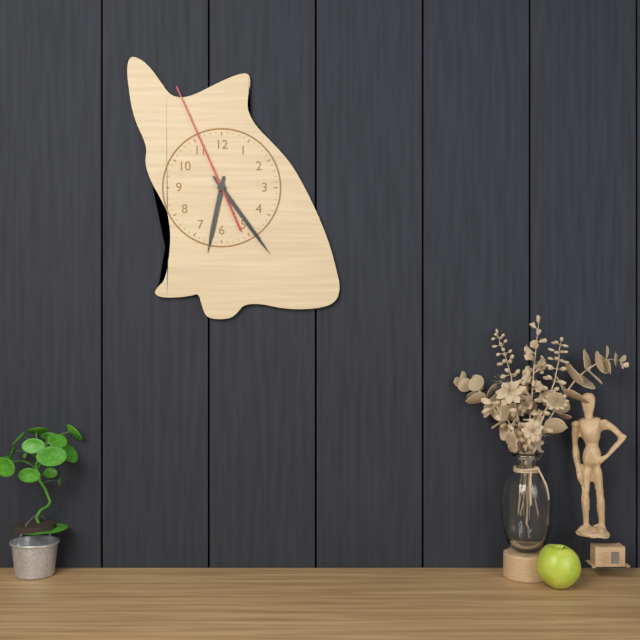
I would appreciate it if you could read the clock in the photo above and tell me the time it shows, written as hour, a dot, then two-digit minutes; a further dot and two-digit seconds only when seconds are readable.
6.24.56
